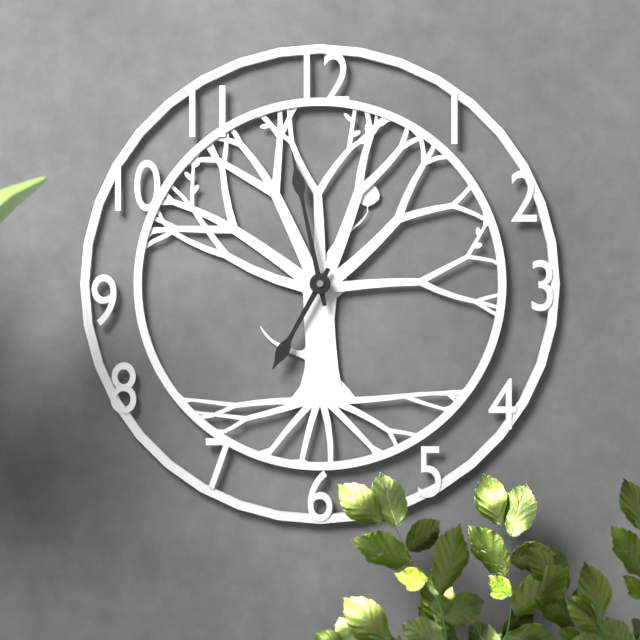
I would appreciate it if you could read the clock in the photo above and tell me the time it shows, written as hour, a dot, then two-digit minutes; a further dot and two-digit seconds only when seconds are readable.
6.58
